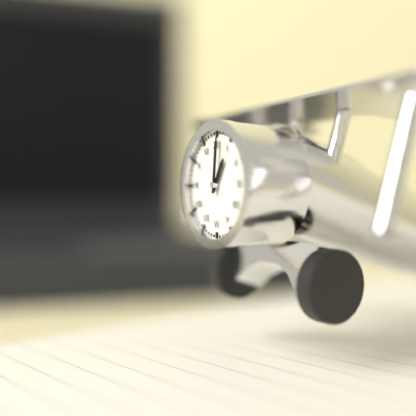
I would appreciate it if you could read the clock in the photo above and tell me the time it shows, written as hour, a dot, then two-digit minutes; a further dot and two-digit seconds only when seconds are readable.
1.01
